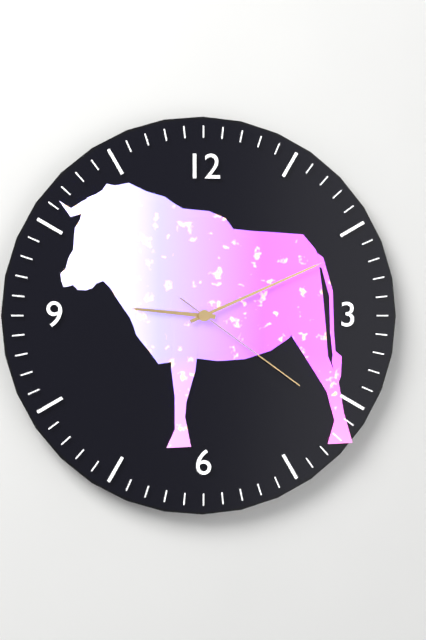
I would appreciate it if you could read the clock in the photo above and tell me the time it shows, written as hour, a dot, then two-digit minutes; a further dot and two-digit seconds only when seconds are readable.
9.11.21
